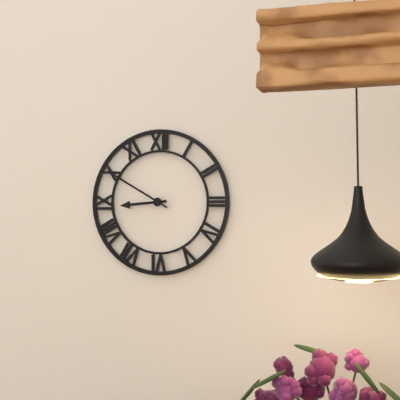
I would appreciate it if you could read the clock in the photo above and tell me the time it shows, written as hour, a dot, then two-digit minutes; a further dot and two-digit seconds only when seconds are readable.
8.50
